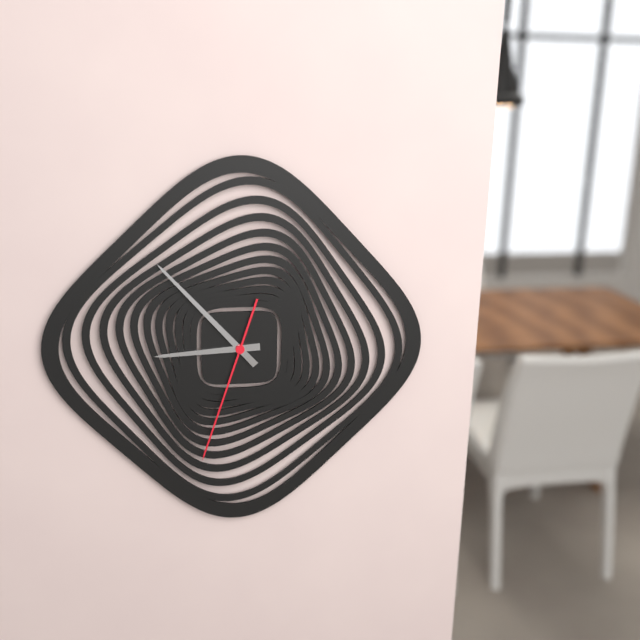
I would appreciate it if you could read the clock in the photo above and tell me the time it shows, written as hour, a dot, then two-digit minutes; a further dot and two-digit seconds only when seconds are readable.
8.53.33
